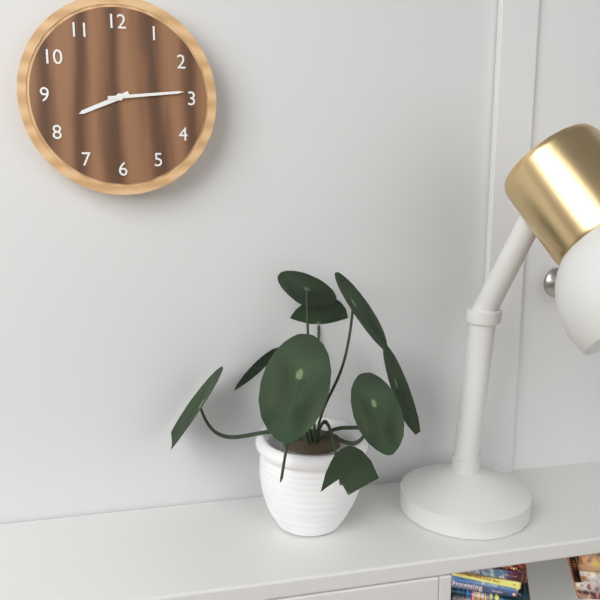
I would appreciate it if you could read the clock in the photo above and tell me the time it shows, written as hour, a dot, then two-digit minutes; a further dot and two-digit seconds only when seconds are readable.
8.14
